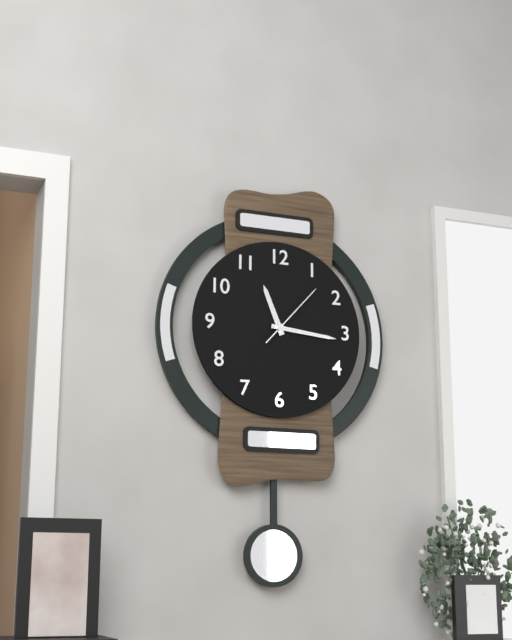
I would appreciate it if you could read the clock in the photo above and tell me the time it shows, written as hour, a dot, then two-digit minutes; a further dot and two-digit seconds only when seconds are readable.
11.16.07
